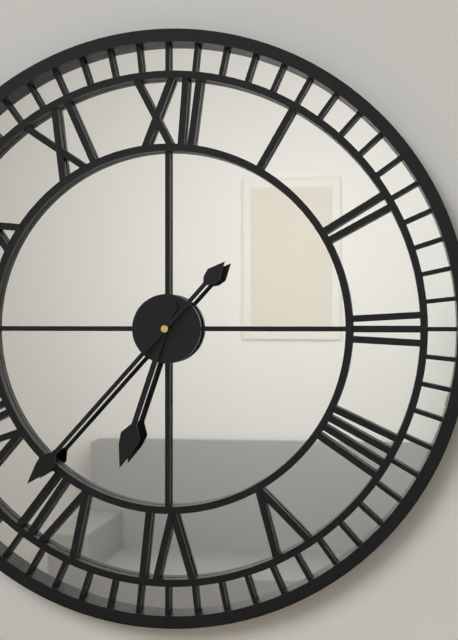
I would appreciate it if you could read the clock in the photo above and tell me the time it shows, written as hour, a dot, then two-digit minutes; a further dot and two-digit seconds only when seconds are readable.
6.37
